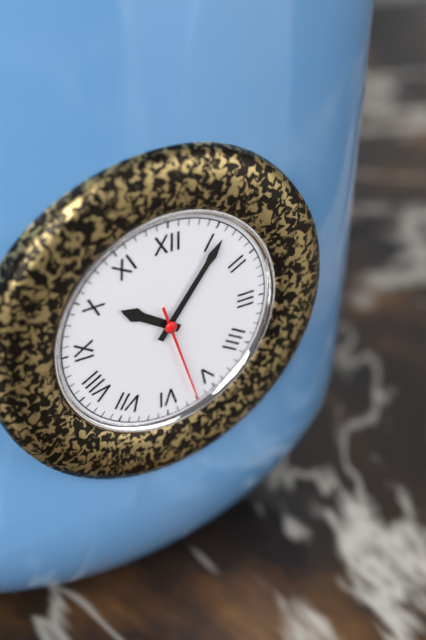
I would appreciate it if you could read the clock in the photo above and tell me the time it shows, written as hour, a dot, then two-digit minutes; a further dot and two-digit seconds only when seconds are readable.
10.06.27
